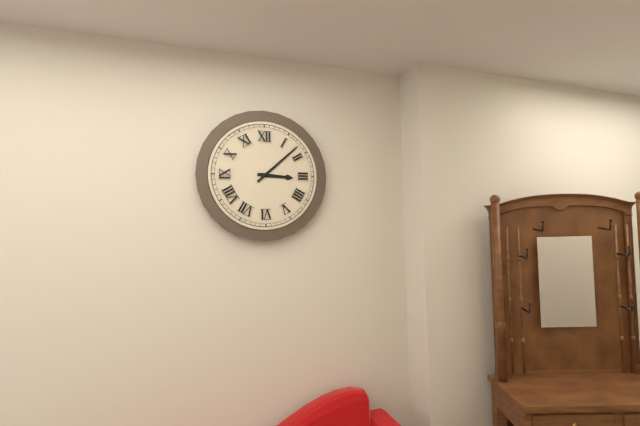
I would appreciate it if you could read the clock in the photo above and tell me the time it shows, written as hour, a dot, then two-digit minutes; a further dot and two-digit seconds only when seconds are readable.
3.08
